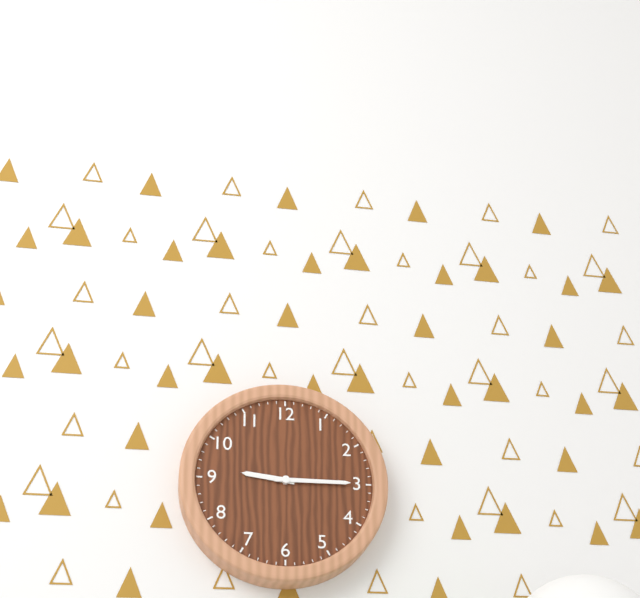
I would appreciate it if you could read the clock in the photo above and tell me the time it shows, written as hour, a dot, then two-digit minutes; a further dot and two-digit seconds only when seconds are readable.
9.15
